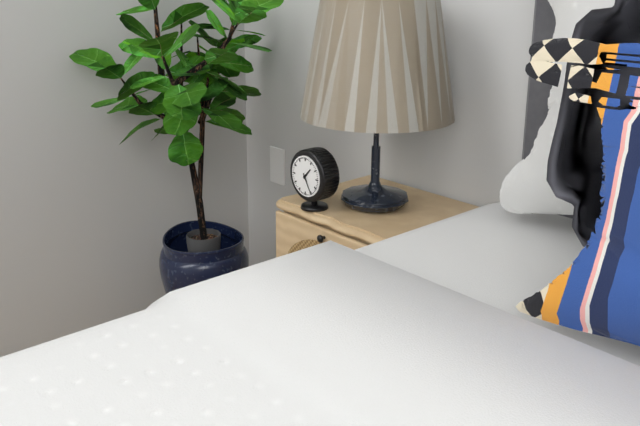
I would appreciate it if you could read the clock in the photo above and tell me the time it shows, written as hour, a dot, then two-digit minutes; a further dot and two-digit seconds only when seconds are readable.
1.25
